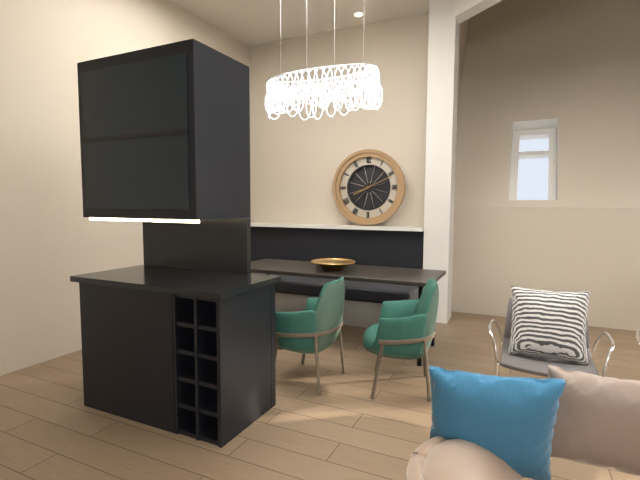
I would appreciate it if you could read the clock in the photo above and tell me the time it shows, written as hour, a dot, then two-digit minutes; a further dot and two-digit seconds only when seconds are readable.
8.11
